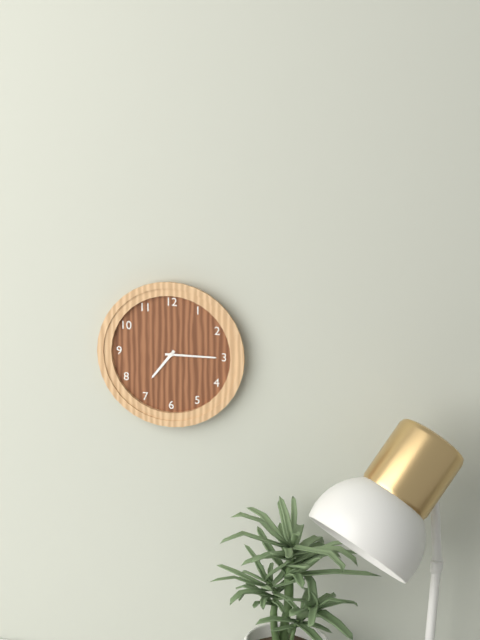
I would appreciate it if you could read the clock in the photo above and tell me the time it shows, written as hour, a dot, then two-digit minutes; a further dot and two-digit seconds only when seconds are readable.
7.15
